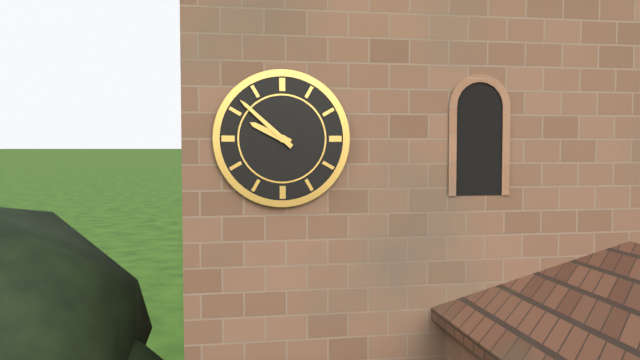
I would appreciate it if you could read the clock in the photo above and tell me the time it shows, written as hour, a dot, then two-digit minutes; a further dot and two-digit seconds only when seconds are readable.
9.52
